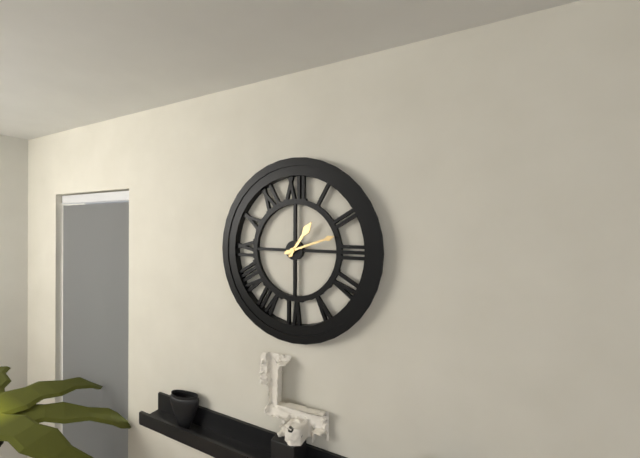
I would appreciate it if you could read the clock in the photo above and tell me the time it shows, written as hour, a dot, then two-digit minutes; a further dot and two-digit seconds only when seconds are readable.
1.12
